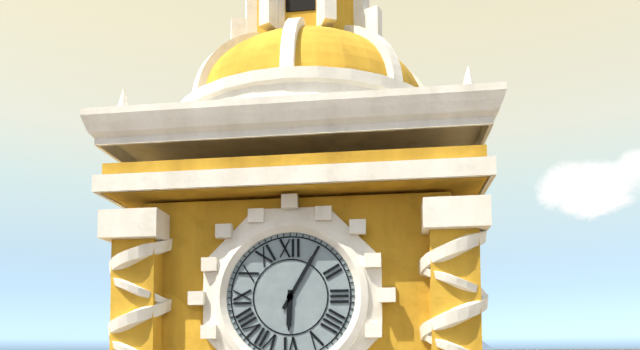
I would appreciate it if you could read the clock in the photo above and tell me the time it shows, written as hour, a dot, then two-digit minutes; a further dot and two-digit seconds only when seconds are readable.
6.05
